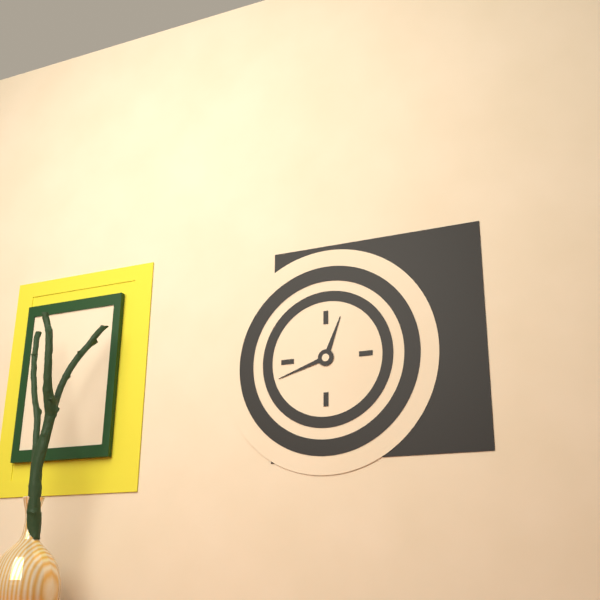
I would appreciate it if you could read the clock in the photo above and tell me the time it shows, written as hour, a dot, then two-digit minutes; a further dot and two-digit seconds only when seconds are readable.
12.42
